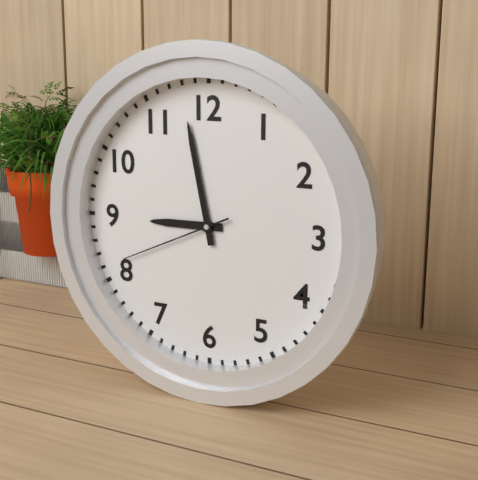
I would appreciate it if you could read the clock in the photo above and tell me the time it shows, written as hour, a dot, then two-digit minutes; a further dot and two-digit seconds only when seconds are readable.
8.58.41
